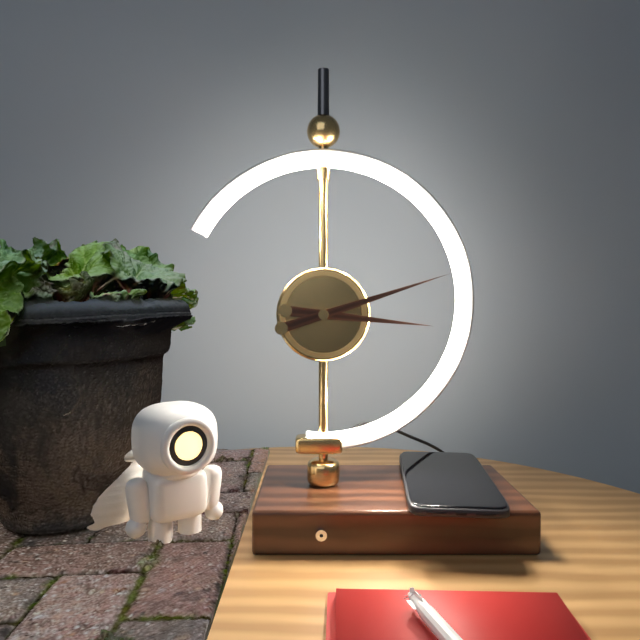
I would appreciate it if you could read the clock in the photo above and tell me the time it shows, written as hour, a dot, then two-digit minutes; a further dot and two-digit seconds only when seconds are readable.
3.12
